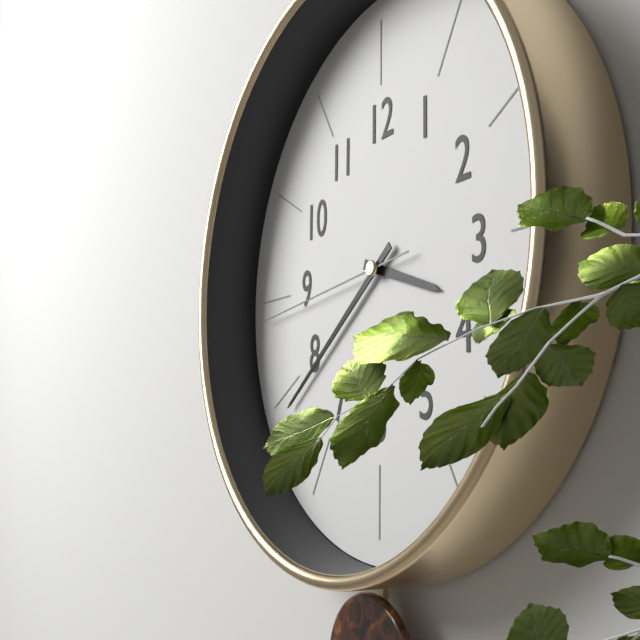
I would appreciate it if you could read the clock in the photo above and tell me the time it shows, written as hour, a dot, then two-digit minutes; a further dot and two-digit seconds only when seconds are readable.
3.39.44
